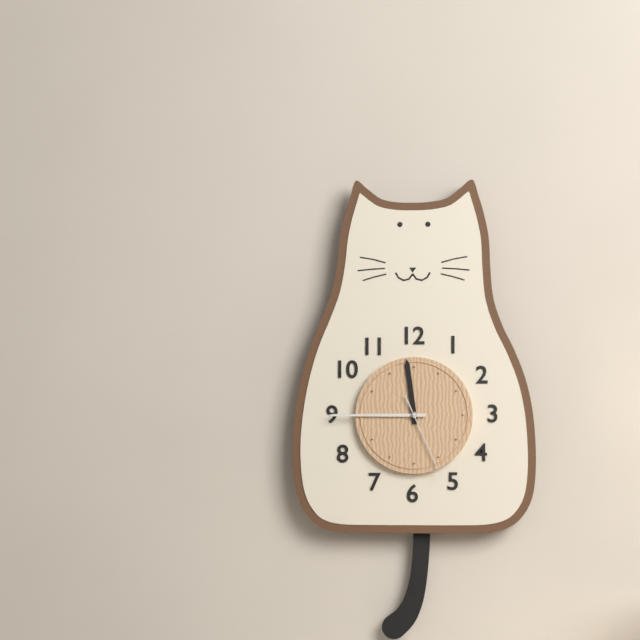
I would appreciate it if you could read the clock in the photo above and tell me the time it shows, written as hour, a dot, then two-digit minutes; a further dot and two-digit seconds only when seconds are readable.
11.45.26
